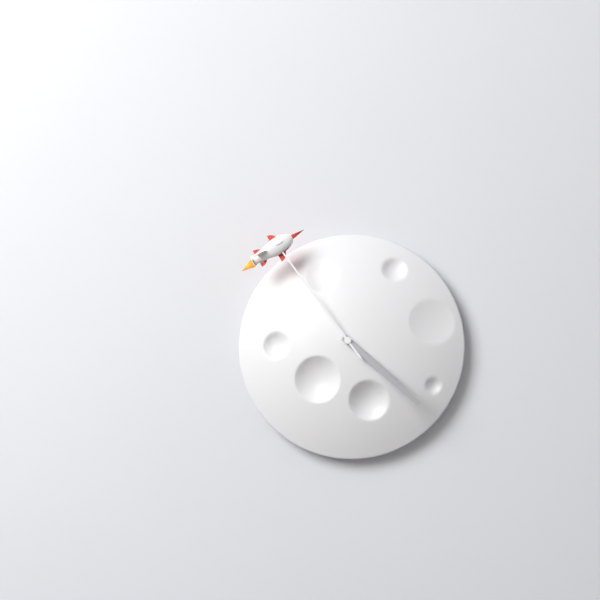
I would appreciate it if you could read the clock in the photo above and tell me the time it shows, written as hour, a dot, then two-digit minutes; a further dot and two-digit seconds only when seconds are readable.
4.22.54
